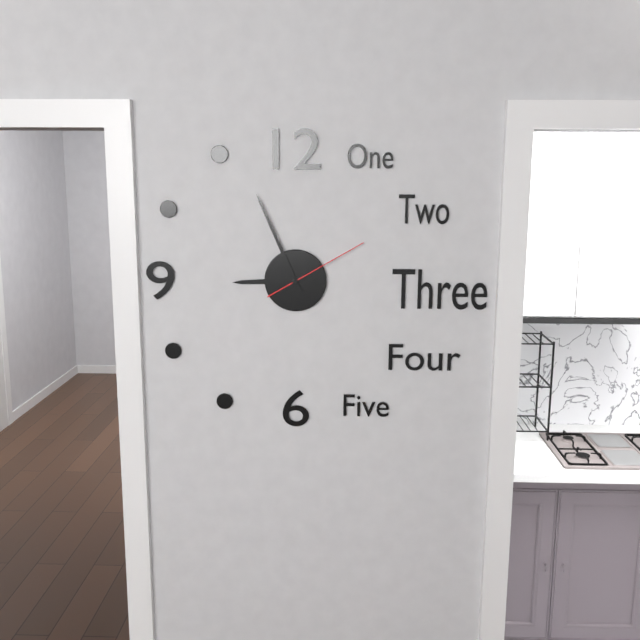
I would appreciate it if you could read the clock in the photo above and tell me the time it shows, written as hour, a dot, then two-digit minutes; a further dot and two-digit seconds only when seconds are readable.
8.56.10
